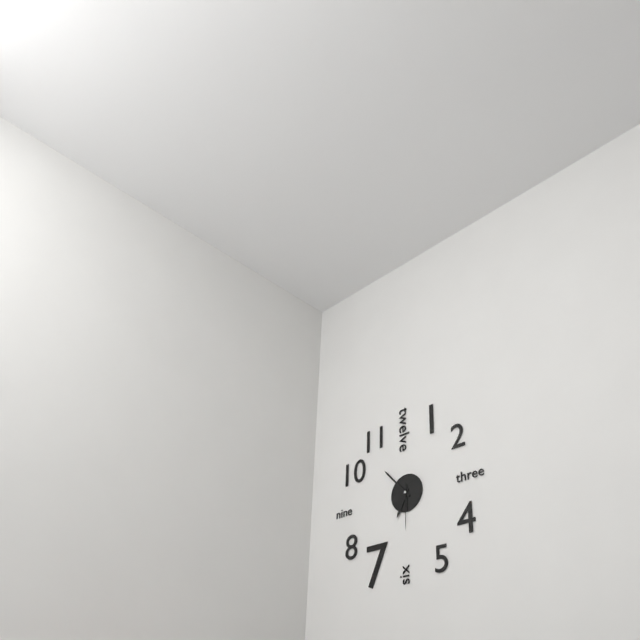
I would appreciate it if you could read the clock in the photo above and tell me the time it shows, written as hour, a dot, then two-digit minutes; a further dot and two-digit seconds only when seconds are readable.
6.53
